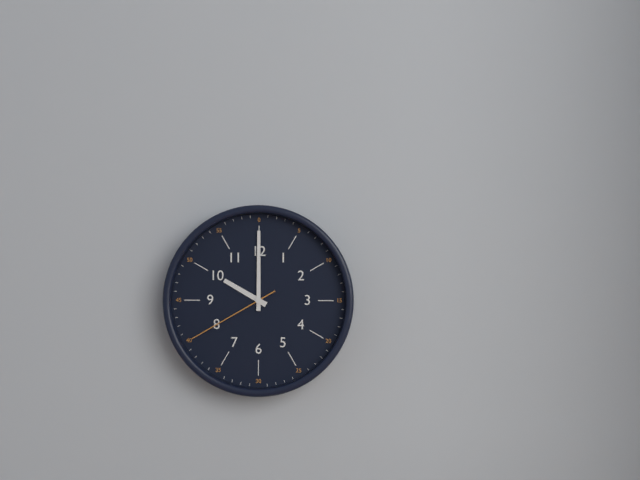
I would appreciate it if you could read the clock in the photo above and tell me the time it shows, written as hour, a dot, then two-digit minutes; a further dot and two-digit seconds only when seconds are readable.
10.00.40
